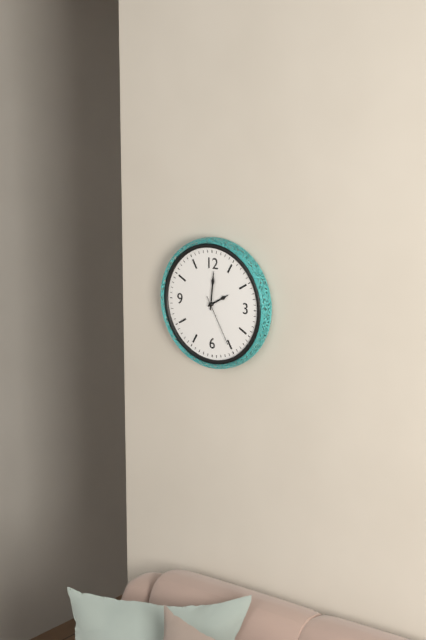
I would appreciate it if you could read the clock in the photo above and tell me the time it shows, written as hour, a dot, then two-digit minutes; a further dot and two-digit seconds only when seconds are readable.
2.01.25
